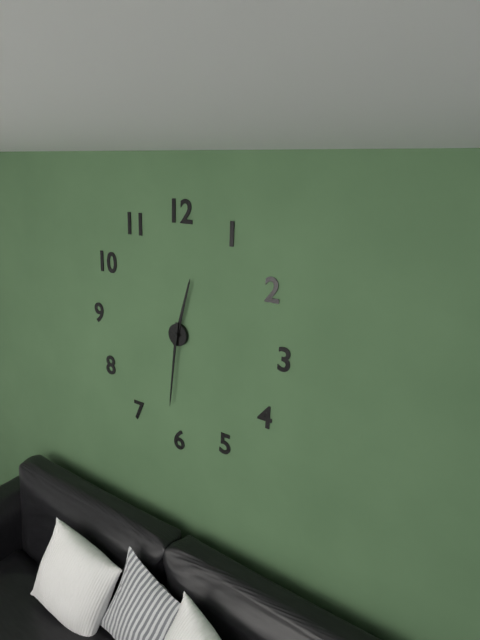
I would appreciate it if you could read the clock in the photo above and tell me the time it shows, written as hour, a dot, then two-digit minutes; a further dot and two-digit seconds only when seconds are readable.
12.31
